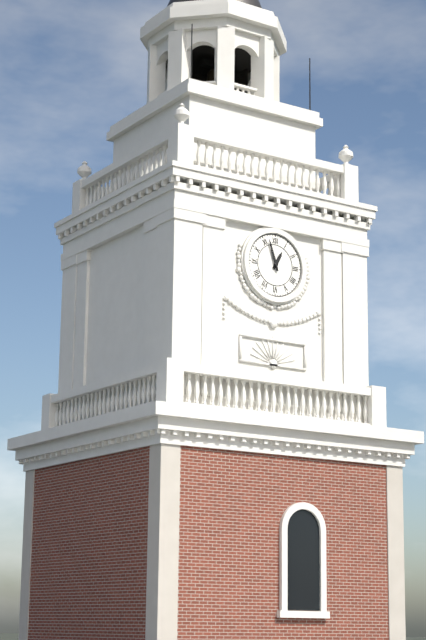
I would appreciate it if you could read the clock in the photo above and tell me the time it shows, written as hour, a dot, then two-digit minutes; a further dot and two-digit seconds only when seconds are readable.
12.57
